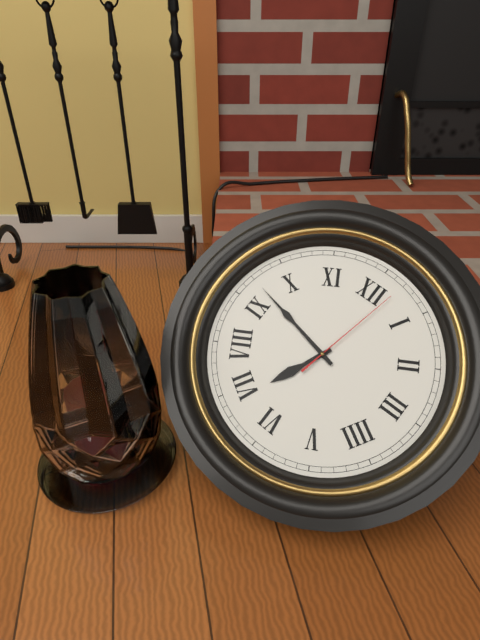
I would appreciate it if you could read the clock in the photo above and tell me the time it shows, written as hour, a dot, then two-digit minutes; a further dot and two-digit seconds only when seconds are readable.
6.47.02
